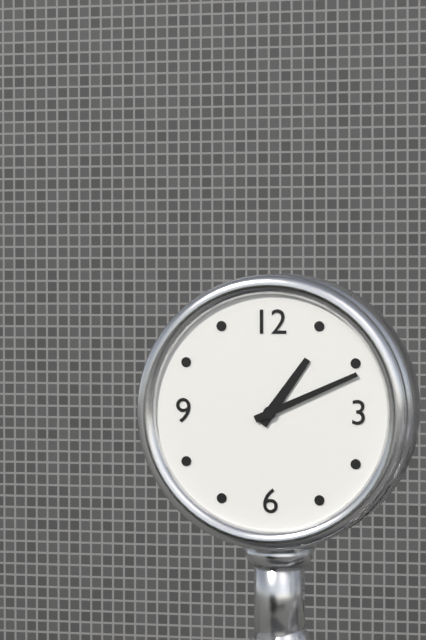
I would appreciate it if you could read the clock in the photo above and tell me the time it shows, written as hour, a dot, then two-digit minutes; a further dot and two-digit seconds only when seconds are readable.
1.11
